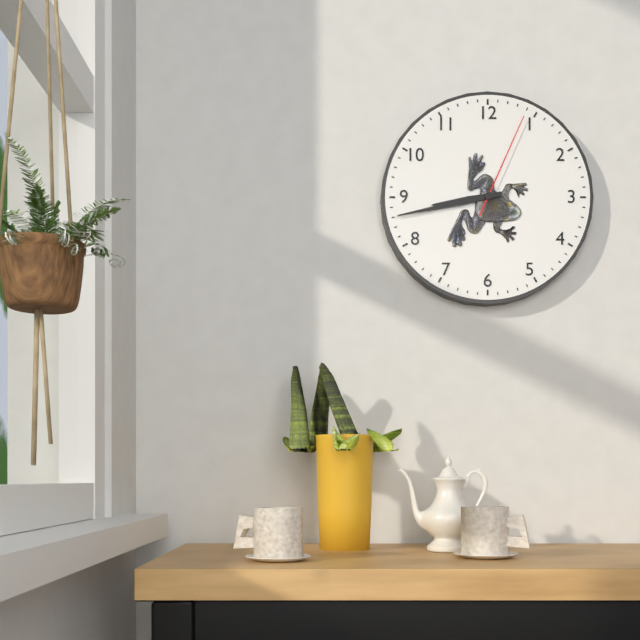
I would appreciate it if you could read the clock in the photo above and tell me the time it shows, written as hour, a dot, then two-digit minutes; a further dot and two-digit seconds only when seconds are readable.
8.43.04
